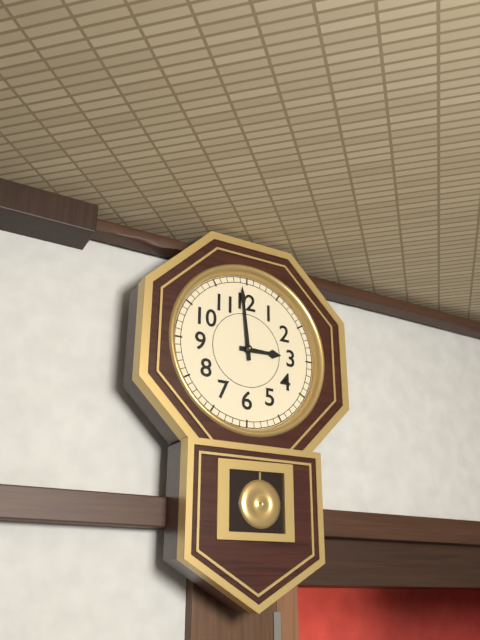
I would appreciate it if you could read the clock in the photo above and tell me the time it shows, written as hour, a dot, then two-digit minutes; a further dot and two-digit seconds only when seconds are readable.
2.59
